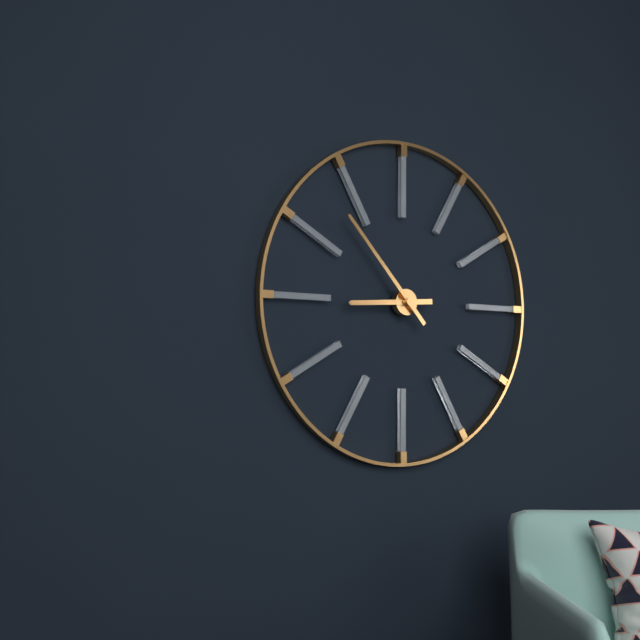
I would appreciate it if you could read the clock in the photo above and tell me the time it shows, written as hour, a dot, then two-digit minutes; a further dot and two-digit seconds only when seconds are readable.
8.53
